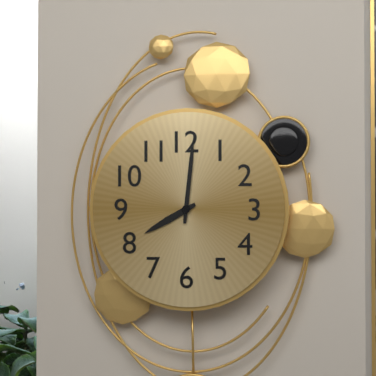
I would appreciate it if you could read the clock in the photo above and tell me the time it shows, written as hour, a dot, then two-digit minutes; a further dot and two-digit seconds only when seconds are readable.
8.01
